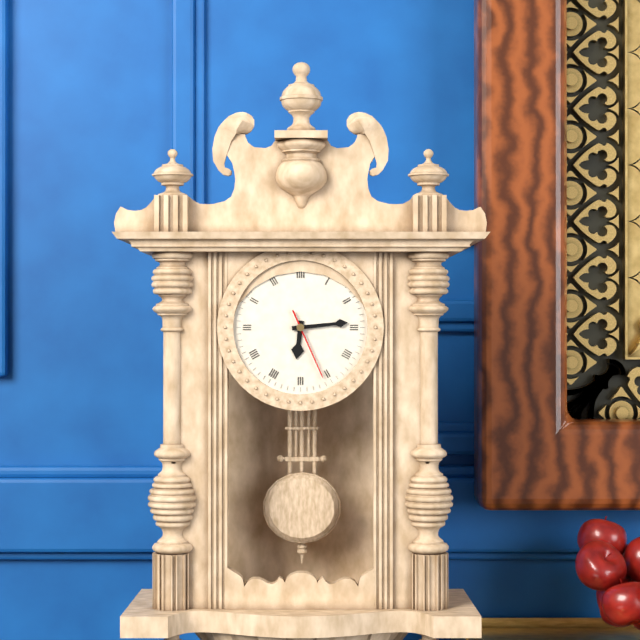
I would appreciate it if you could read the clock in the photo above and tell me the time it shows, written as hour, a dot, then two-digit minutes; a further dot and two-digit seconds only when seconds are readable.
6.14.26
